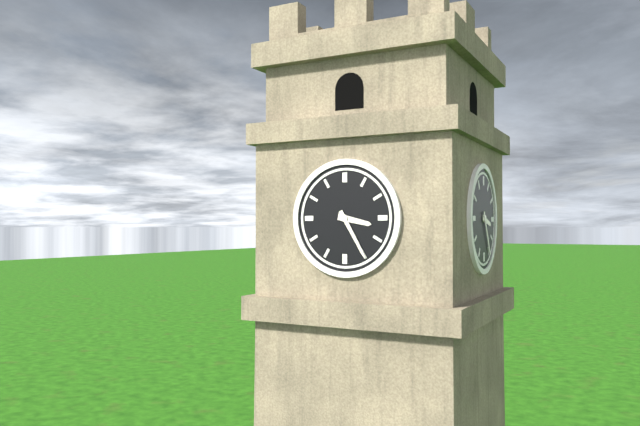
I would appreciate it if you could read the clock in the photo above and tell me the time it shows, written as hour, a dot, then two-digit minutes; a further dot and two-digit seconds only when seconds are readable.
3.25
